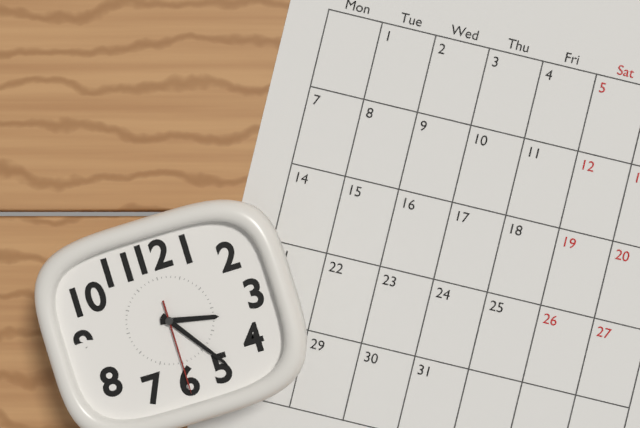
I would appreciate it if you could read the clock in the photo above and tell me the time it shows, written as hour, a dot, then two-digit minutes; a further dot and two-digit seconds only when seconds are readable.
3.24.30
